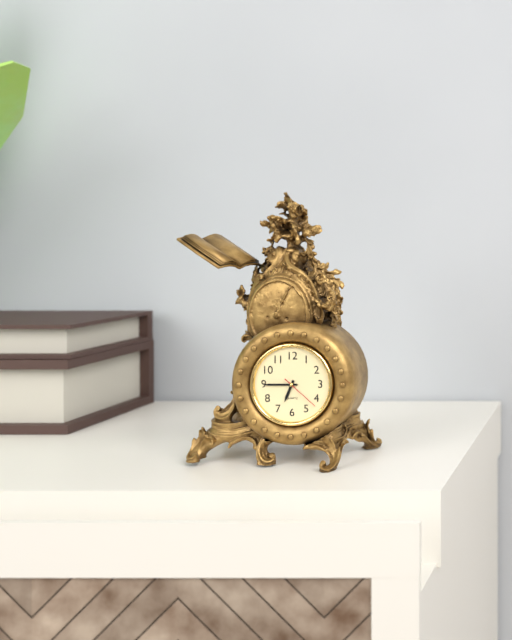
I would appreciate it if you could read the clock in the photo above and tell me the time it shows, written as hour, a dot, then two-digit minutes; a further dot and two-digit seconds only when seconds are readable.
6.45
